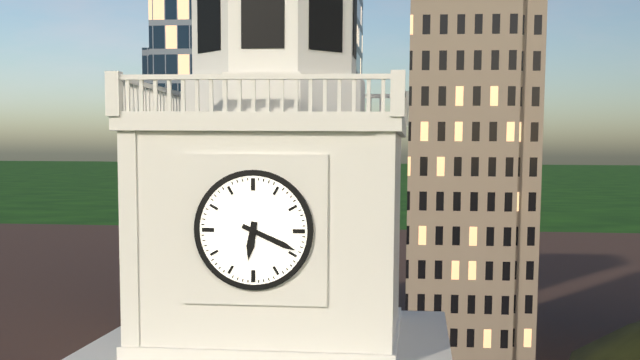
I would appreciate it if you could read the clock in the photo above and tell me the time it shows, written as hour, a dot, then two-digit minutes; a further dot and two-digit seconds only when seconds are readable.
6.19
